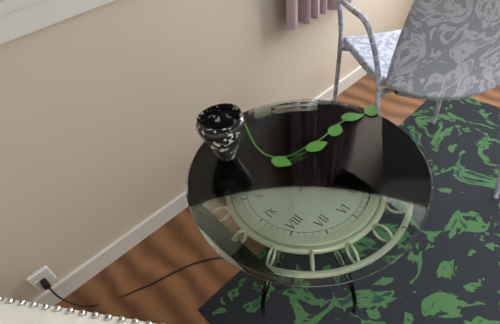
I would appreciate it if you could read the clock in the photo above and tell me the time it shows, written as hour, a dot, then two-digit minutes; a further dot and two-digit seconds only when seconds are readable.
12.11
